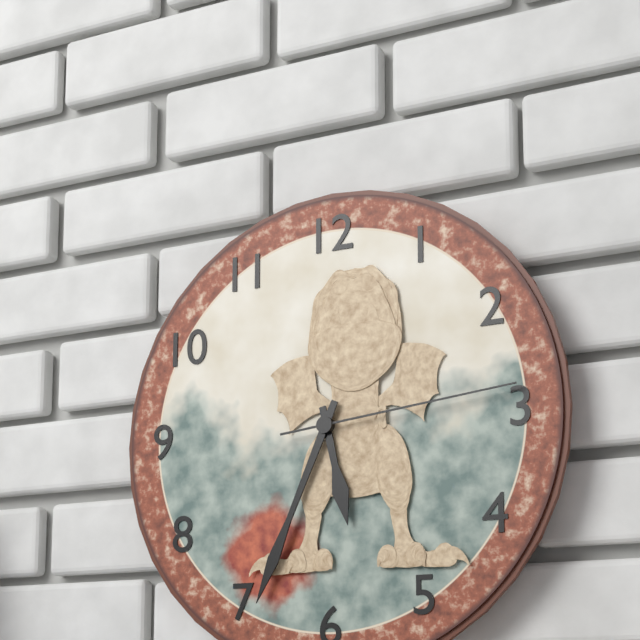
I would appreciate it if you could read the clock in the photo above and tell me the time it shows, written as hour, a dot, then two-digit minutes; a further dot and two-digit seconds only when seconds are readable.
5.34.14
